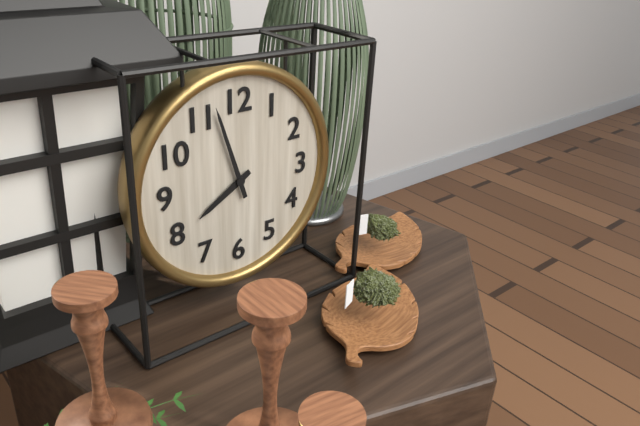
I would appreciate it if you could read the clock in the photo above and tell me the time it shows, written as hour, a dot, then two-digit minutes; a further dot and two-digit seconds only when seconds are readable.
7.57
